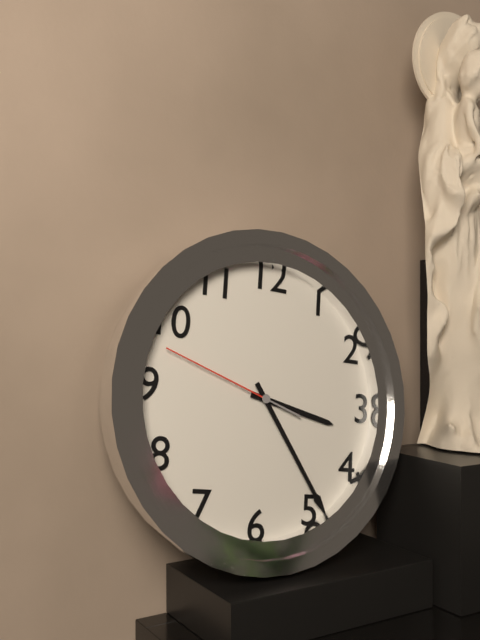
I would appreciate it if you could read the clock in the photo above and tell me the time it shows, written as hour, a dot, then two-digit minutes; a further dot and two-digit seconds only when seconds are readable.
3.24.48
